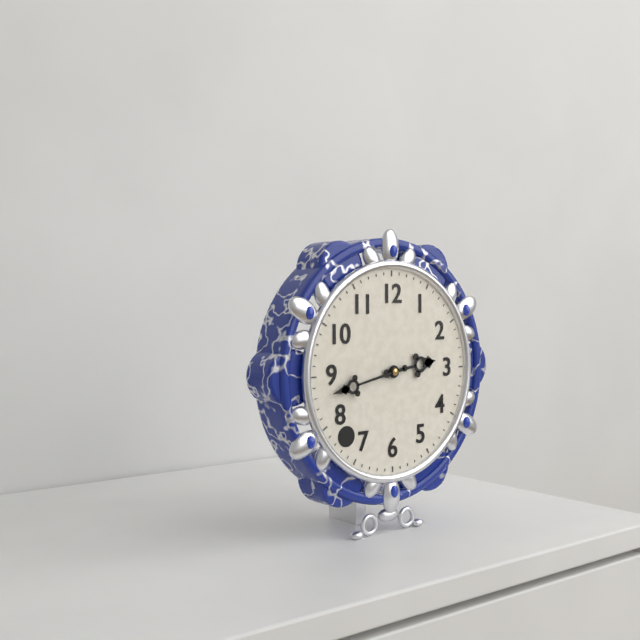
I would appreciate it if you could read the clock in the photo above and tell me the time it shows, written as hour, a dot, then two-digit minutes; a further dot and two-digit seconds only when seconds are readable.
2.43
